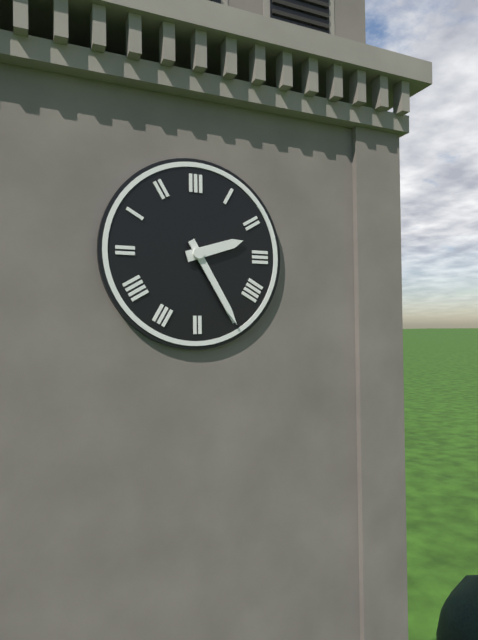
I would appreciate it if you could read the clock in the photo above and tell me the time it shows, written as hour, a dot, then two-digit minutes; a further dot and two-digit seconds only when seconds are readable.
2.25
